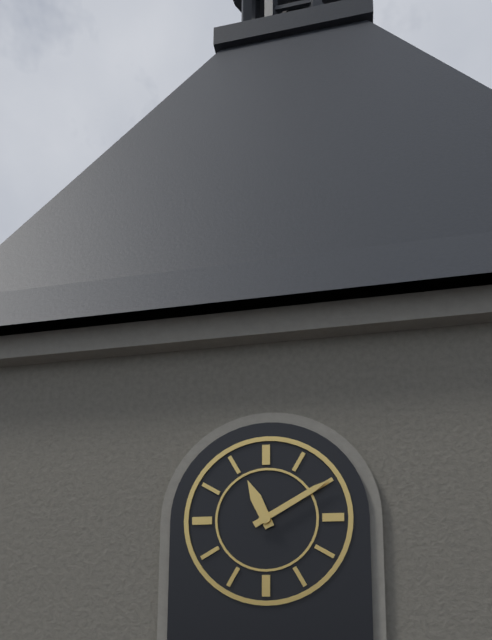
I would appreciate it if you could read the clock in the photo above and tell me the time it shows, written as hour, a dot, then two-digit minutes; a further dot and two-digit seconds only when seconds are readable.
11.10
